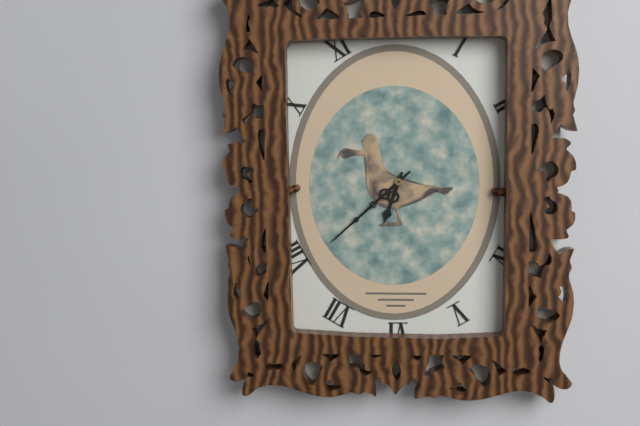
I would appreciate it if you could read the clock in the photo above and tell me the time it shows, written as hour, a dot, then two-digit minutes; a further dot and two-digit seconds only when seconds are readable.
6.38
